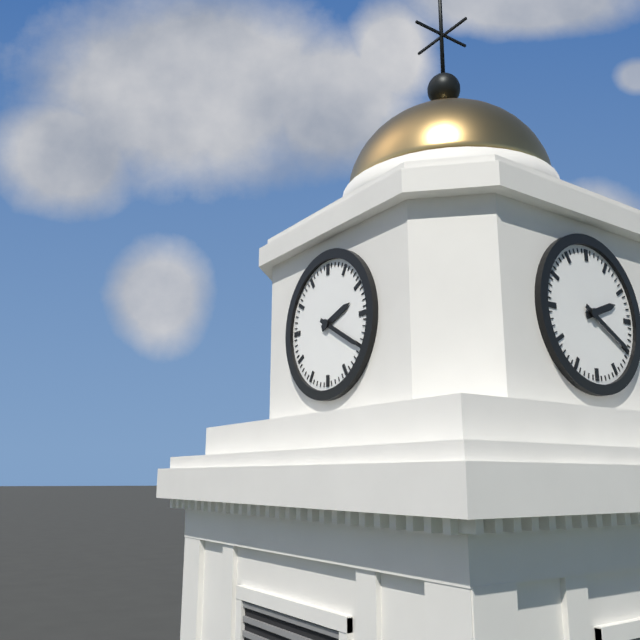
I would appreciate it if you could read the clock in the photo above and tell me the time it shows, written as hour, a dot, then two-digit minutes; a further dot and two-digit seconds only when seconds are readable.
2.20
